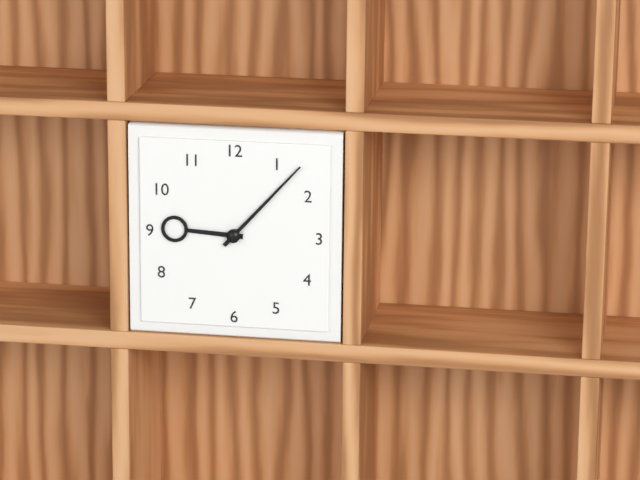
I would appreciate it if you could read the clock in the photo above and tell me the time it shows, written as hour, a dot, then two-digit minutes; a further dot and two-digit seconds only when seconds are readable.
9.07
